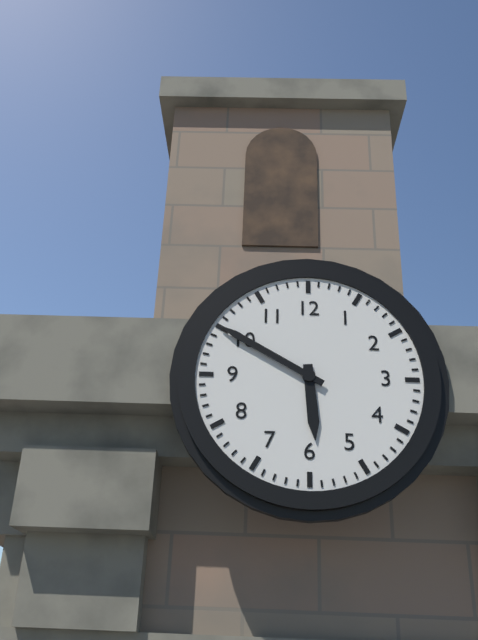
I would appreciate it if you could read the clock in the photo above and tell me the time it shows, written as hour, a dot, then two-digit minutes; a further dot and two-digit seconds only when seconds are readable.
5.50
